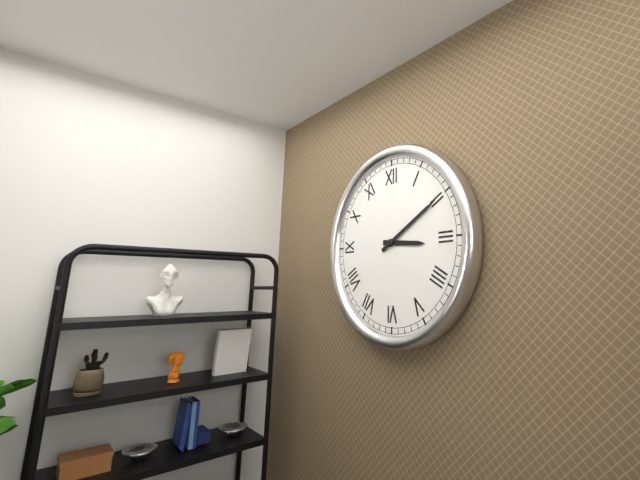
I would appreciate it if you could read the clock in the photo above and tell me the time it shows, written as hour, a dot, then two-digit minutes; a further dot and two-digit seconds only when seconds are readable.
3.10
